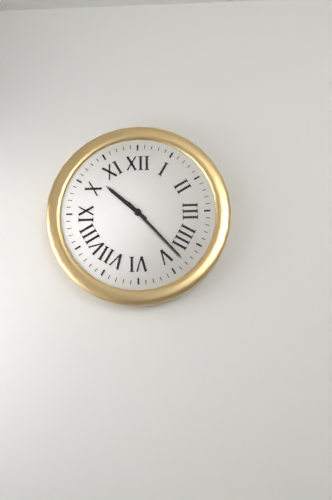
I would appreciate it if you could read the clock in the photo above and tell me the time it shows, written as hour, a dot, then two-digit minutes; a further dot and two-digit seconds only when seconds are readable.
10.23
